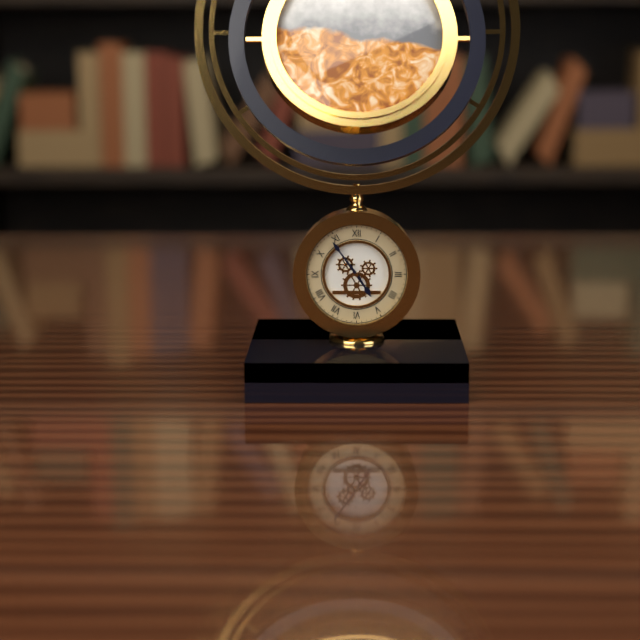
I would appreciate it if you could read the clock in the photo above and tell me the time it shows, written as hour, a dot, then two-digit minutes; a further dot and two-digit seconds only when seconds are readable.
4.54
